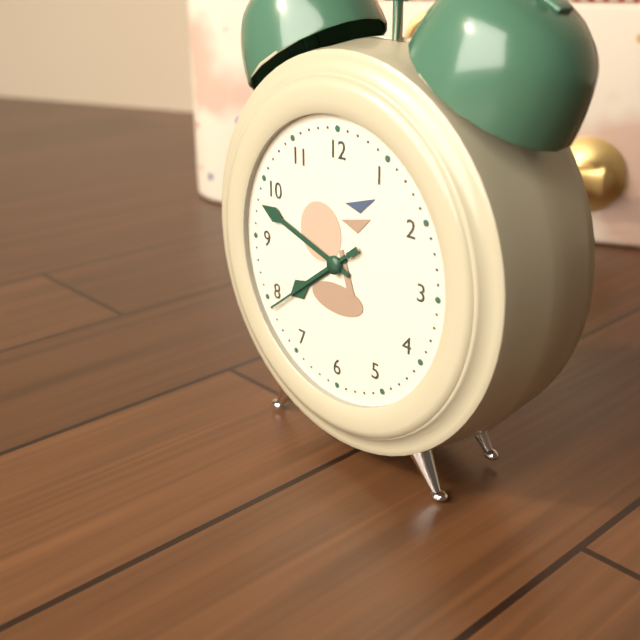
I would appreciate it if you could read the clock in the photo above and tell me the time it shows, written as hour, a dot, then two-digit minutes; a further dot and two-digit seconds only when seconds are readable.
7.48.39
